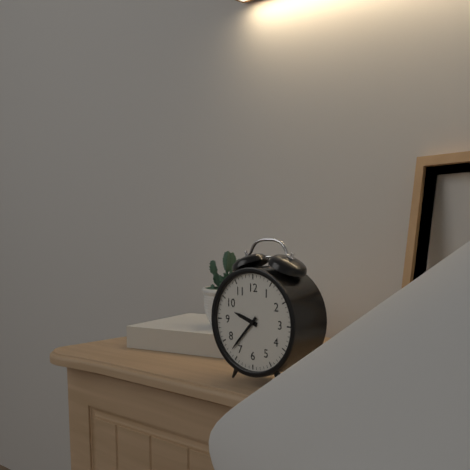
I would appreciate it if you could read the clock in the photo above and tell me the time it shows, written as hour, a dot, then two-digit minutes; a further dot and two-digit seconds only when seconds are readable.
9.37
